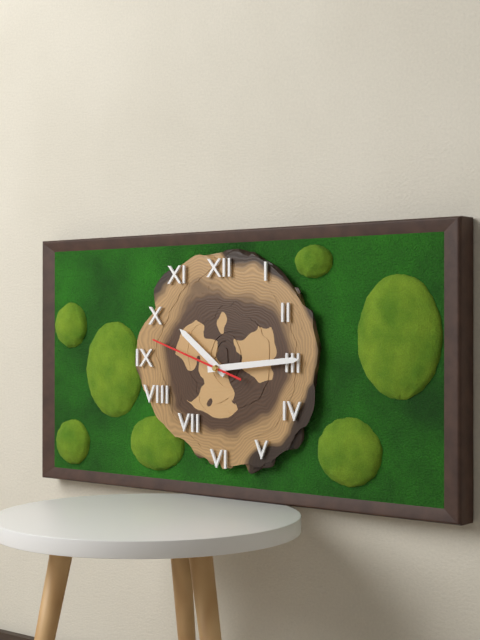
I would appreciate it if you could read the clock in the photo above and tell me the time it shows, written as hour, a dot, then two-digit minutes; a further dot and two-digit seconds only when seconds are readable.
10.14.48
